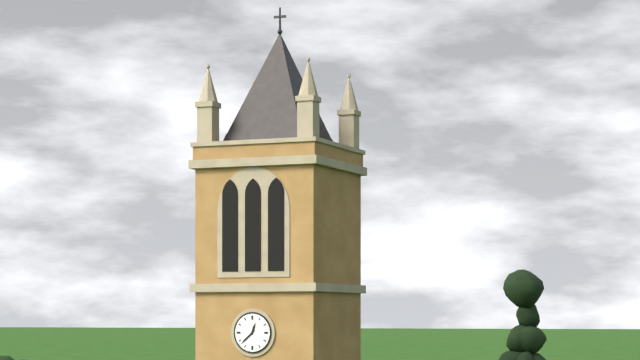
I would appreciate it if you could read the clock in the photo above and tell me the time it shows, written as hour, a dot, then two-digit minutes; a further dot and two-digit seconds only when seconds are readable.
12.38
